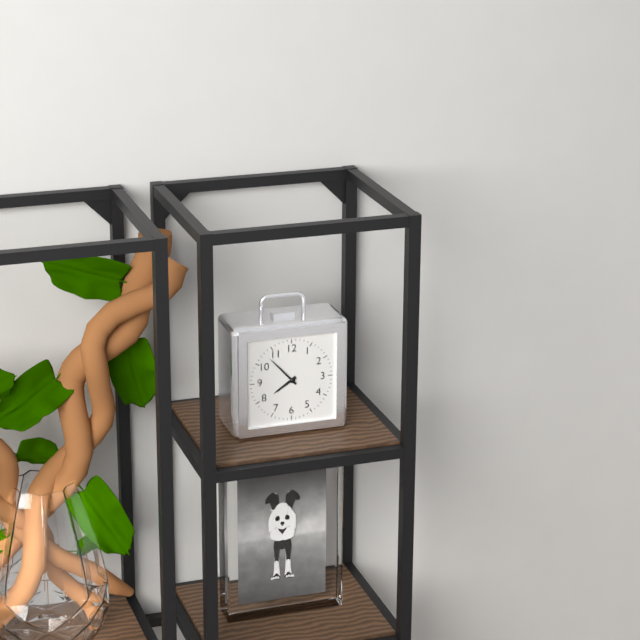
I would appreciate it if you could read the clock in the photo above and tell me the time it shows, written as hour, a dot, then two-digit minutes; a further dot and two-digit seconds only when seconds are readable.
7.53
